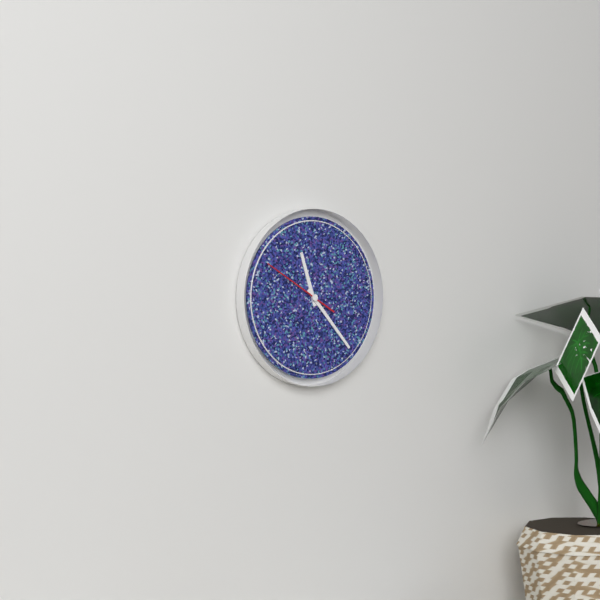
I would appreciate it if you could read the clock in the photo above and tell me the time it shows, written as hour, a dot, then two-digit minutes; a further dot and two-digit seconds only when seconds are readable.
11.23.50
